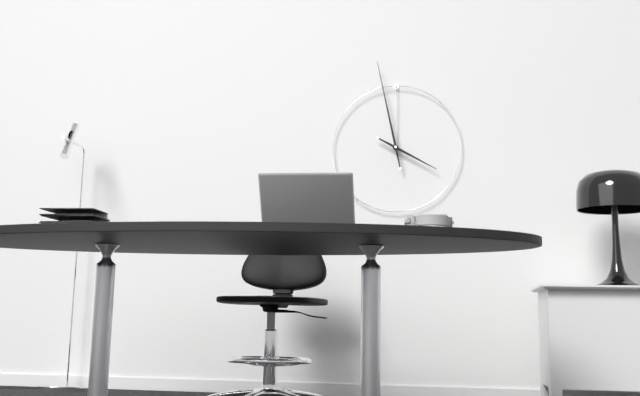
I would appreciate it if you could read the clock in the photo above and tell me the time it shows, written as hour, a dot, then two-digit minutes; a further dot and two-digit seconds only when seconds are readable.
3.58
